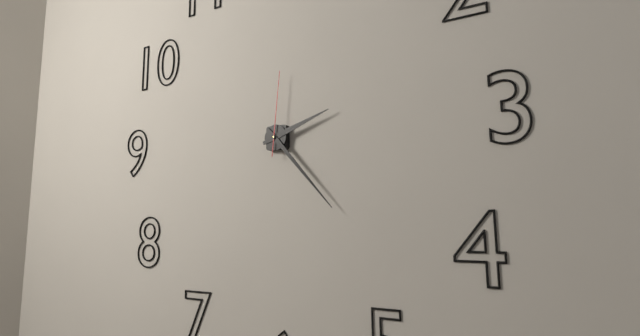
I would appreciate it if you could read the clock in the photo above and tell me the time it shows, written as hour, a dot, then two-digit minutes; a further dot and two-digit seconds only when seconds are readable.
2.23.01
